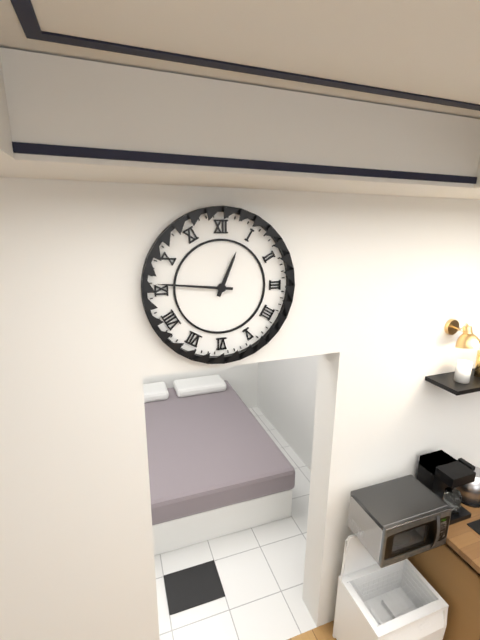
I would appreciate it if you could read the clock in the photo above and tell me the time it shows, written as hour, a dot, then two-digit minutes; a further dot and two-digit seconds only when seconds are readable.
12.46
